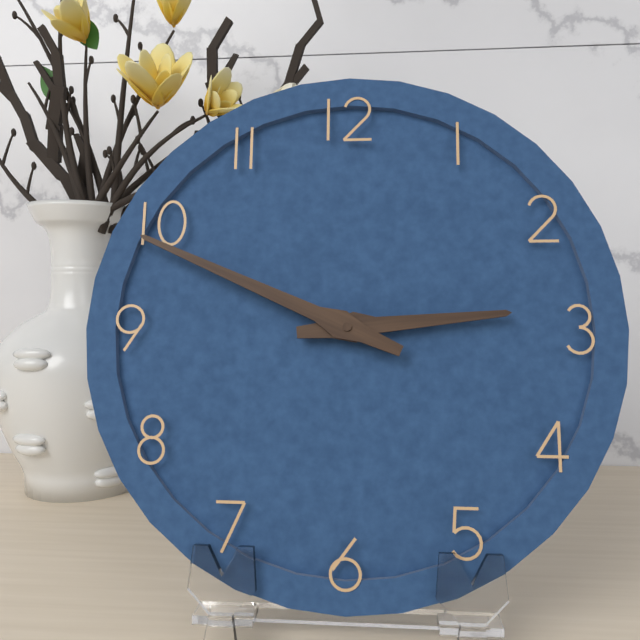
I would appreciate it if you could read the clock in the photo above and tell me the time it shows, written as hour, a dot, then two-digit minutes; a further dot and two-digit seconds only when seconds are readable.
2.49
